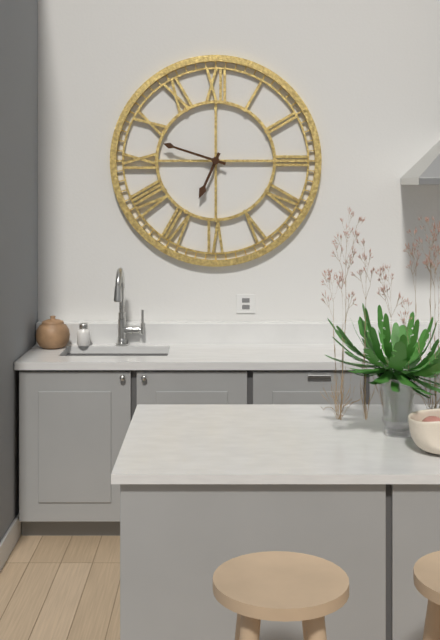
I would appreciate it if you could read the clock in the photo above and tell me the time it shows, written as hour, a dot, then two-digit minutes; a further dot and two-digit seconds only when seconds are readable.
6.48
